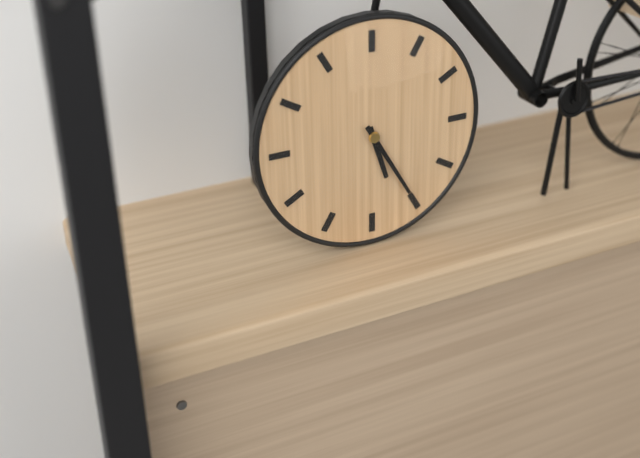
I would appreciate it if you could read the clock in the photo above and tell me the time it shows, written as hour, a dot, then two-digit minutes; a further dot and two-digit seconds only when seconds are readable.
5.25
